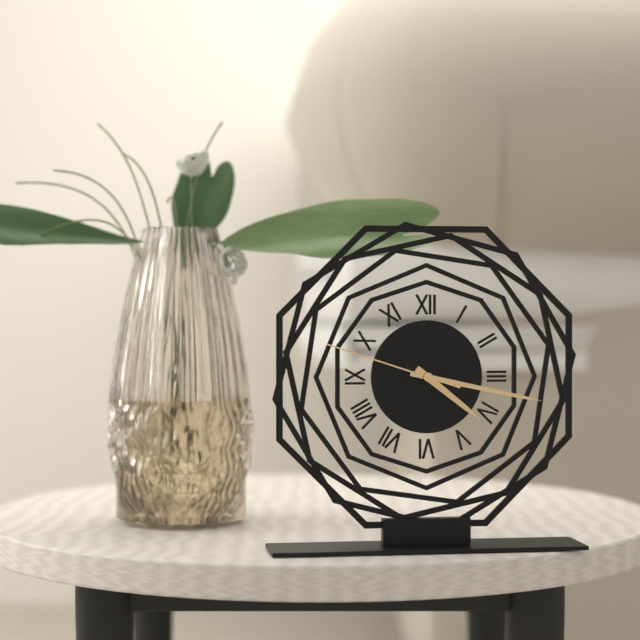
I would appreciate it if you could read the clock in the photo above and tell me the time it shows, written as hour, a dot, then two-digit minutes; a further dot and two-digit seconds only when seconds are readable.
4.17.48
